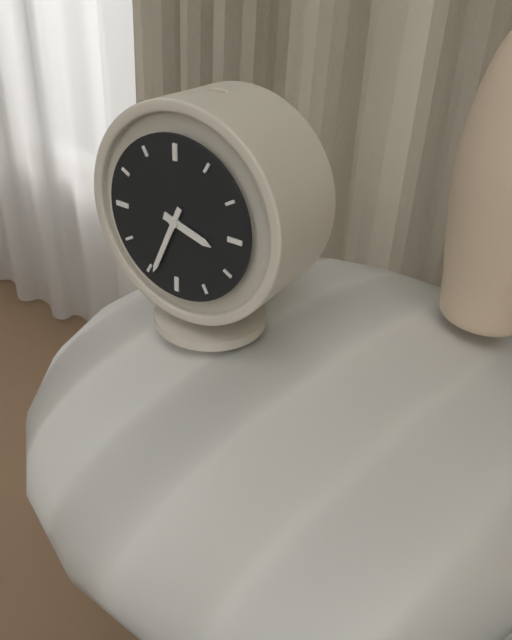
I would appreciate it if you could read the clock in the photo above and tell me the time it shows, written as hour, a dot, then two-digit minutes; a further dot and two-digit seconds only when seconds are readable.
3.34
